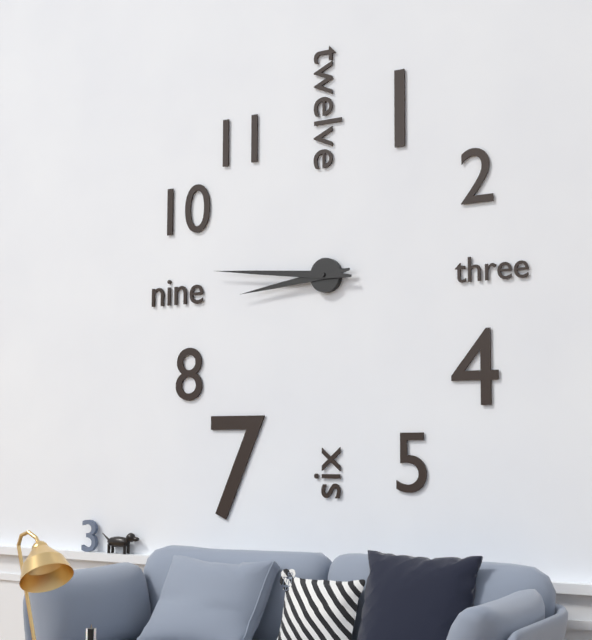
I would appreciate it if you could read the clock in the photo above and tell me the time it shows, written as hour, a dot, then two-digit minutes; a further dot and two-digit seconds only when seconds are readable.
8.46
